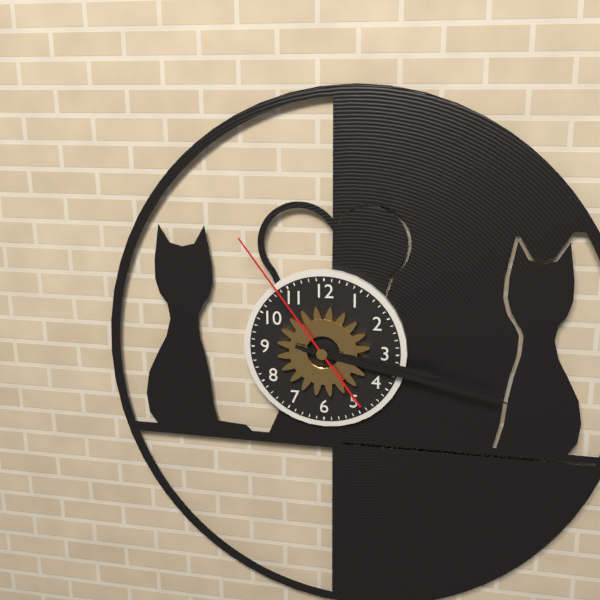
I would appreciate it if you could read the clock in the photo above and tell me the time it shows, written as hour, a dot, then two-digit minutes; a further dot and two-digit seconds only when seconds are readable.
3.17.54
